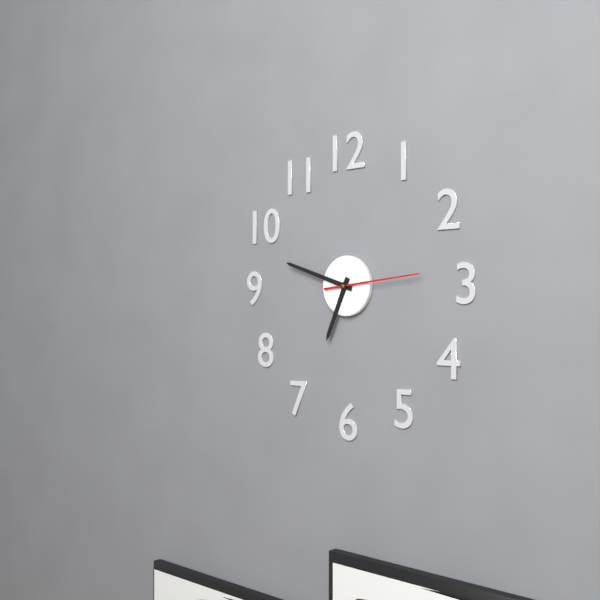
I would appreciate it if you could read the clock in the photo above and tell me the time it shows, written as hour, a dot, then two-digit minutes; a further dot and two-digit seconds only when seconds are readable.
6.48.14
